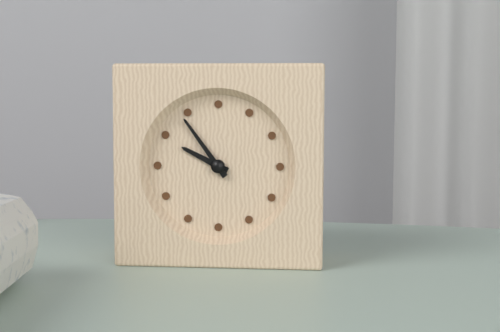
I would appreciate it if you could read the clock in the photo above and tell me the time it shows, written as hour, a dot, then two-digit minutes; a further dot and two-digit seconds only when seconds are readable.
9.54
